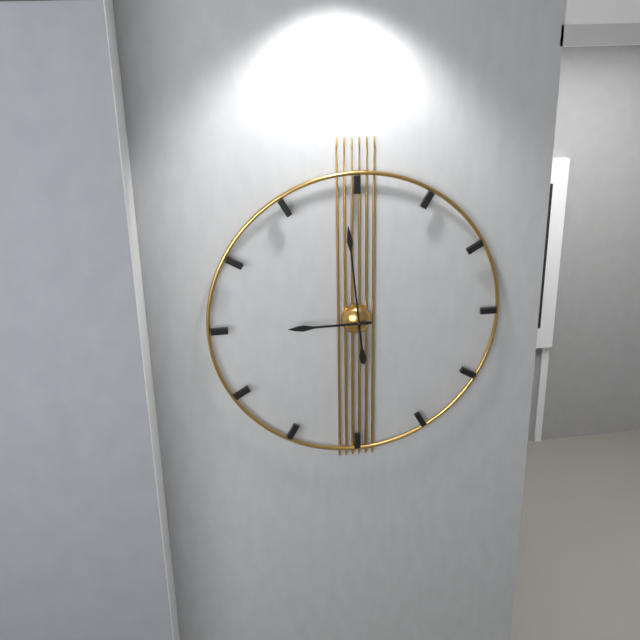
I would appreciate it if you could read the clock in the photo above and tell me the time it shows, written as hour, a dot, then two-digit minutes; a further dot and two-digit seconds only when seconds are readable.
8.59
